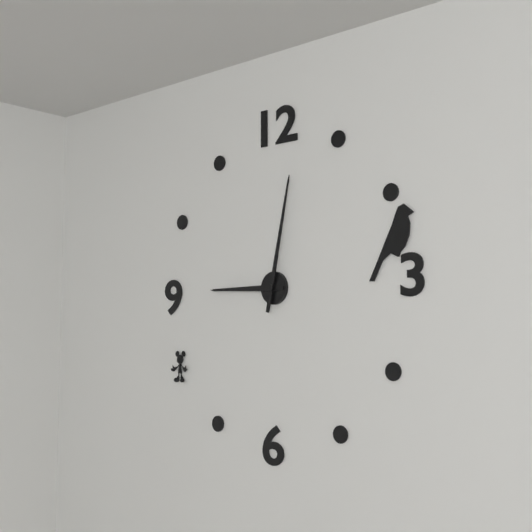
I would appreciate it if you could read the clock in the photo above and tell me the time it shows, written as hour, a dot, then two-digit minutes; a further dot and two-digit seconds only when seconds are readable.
9.02
